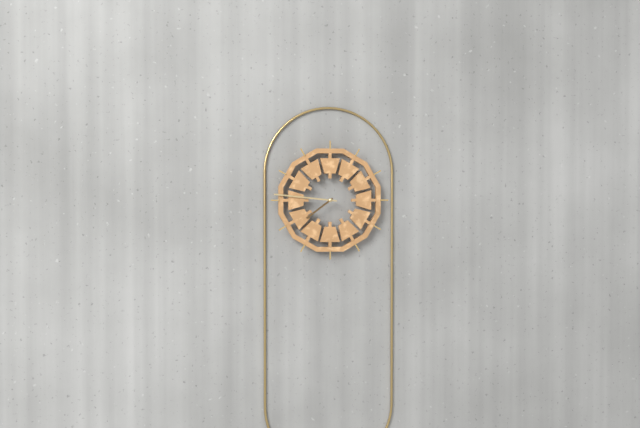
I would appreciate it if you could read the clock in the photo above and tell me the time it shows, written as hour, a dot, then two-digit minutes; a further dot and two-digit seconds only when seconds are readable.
7.46
